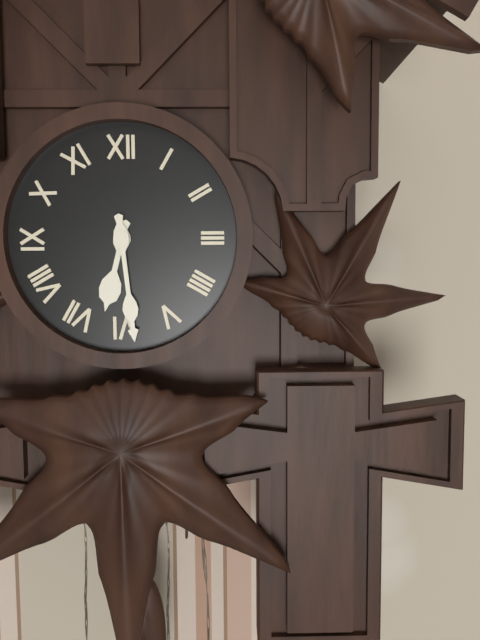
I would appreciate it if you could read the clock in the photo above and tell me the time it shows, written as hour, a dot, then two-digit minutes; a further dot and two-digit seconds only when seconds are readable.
6.29
